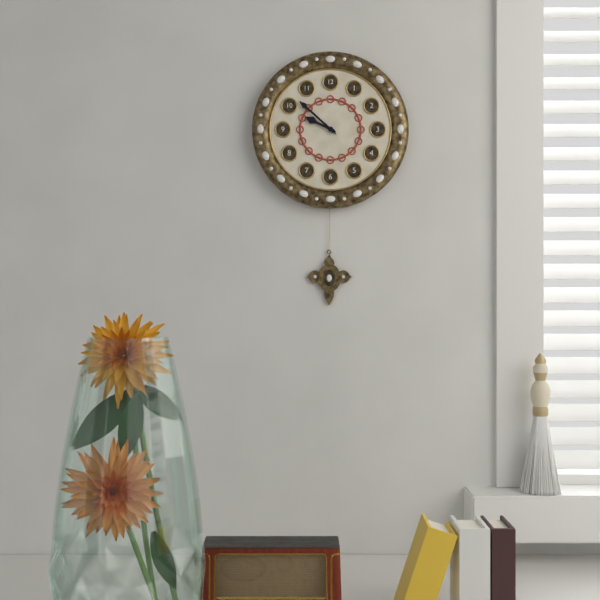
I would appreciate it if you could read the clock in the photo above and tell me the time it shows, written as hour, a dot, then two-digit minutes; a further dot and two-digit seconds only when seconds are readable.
9.52
